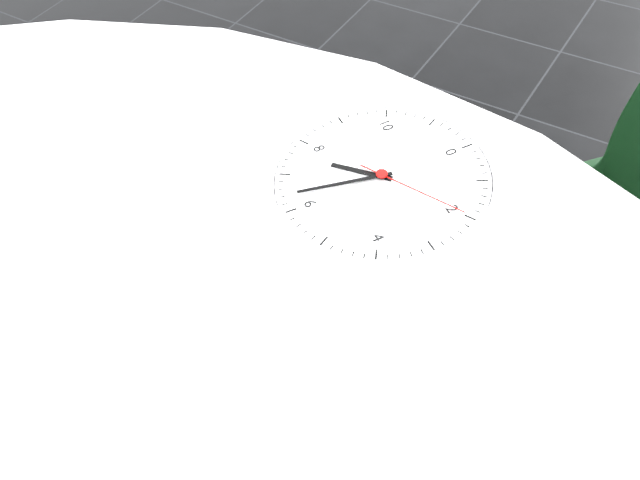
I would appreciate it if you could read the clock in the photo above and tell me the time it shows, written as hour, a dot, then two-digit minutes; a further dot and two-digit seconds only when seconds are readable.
7.32.10
